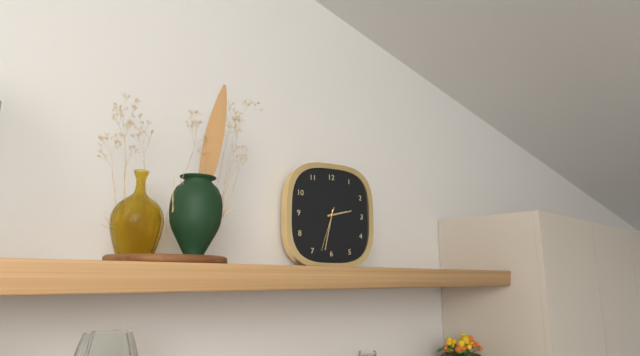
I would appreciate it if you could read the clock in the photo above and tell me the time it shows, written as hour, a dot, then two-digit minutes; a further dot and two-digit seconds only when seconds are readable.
2.32
